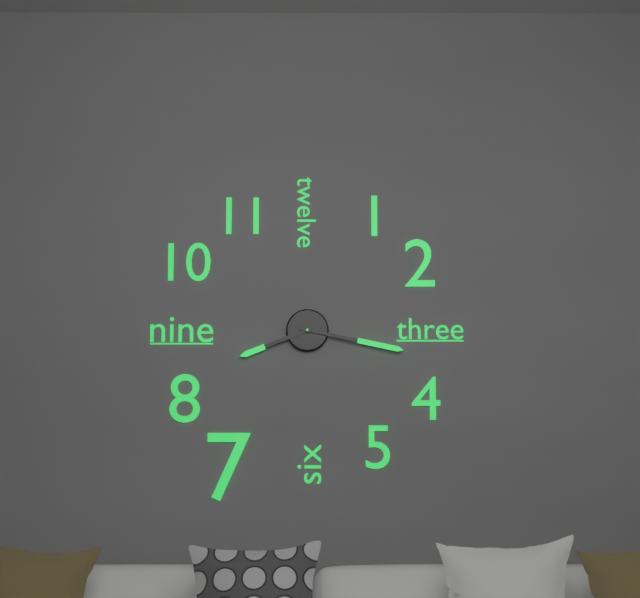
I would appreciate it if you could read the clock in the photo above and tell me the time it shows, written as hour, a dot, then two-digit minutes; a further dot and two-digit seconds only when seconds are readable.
8.17
